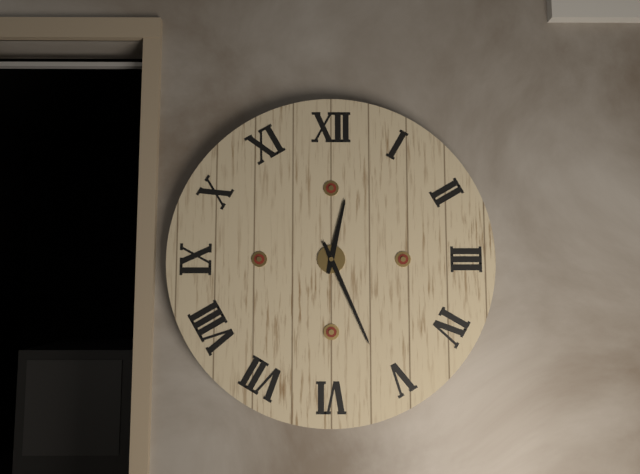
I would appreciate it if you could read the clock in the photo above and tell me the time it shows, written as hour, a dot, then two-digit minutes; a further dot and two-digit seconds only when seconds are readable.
12.26
